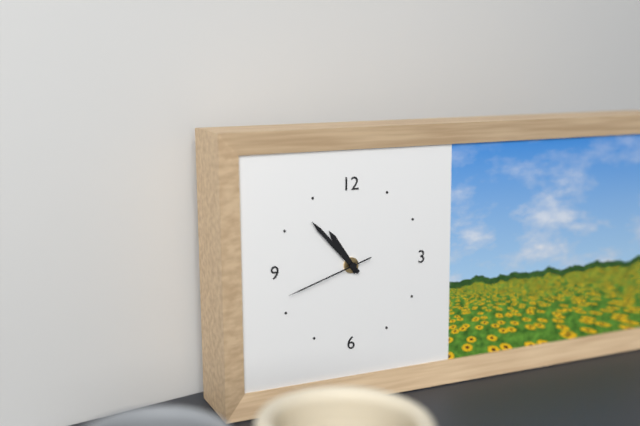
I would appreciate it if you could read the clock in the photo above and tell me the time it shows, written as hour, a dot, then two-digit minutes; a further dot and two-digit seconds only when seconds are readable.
10.53.42
